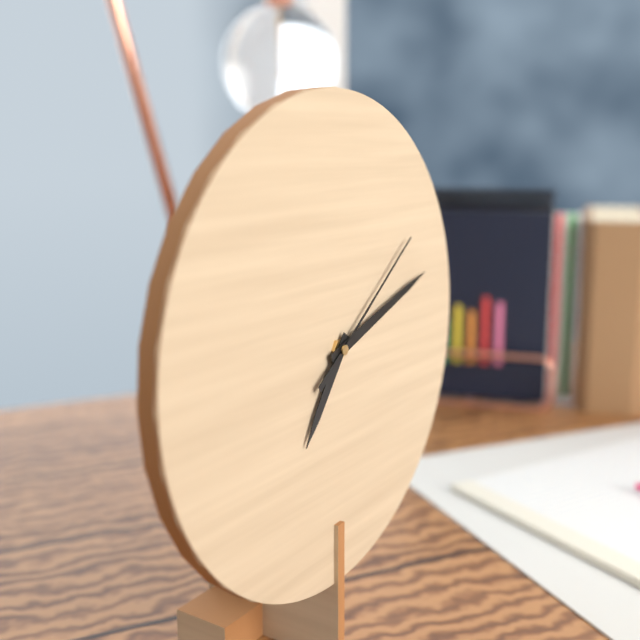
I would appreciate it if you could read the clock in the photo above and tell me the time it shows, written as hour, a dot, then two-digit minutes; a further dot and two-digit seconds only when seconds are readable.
7.12.09
